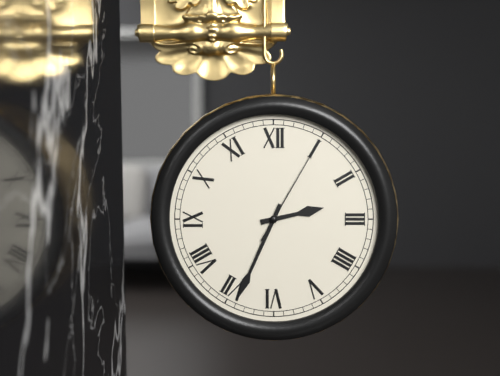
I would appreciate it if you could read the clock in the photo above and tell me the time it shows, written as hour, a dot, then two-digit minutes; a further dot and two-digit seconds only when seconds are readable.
2.34.05
